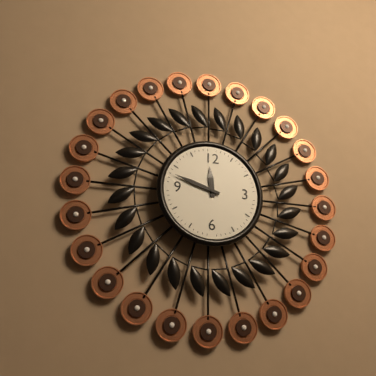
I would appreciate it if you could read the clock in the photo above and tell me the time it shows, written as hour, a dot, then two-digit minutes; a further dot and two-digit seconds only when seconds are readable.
11.48
